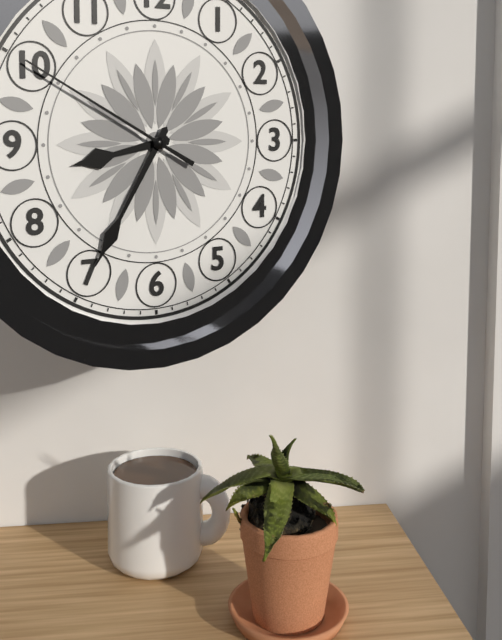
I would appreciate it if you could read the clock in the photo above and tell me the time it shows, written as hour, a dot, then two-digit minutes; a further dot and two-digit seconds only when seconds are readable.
8.35.50
